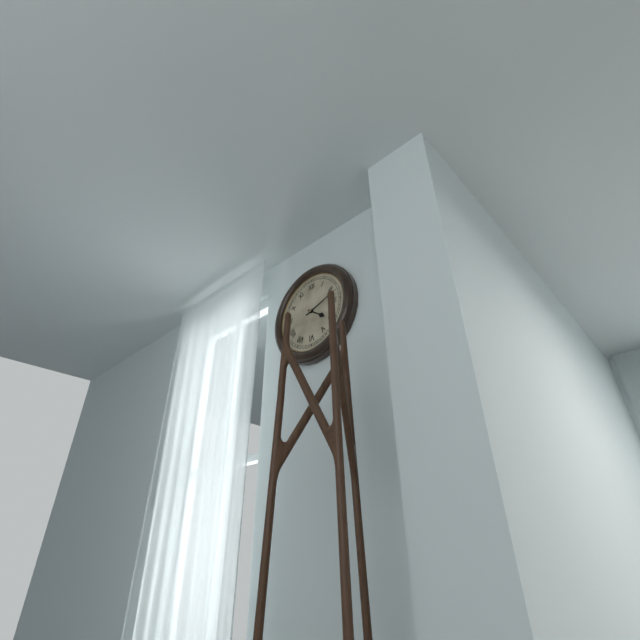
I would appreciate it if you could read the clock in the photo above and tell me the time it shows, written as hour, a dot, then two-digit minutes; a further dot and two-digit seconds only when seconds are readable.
4.12
